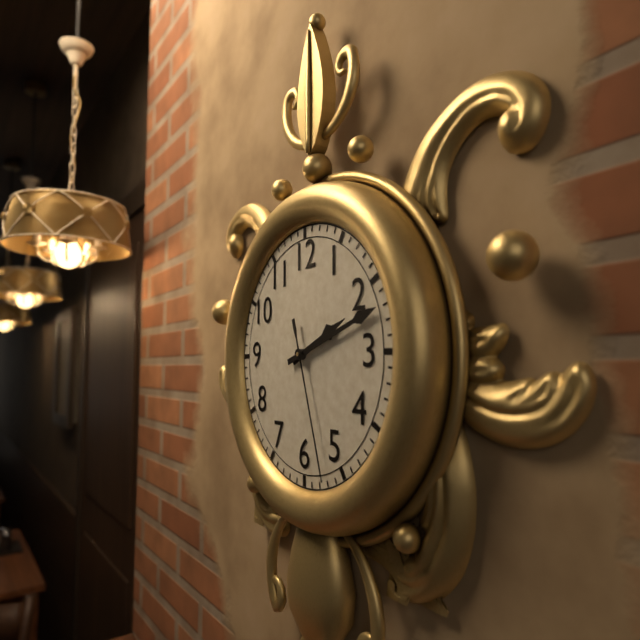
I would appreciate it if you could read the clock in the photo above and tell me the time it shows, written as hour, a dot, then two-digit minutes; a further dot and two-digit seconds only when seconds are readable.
2.12.27
